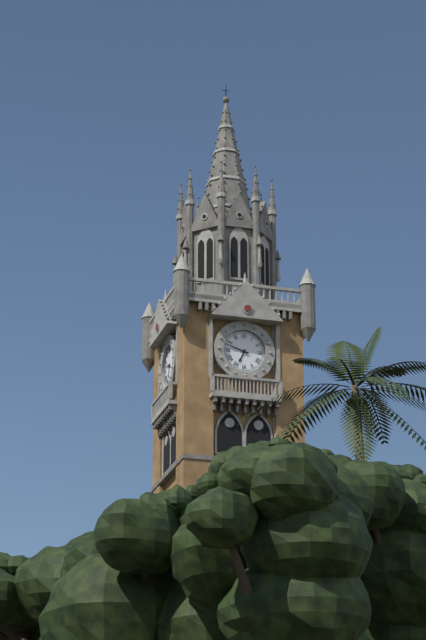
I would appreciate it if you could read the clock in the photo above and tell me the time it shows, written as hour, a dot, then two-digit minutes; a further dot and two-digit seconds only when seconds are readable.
6.48
